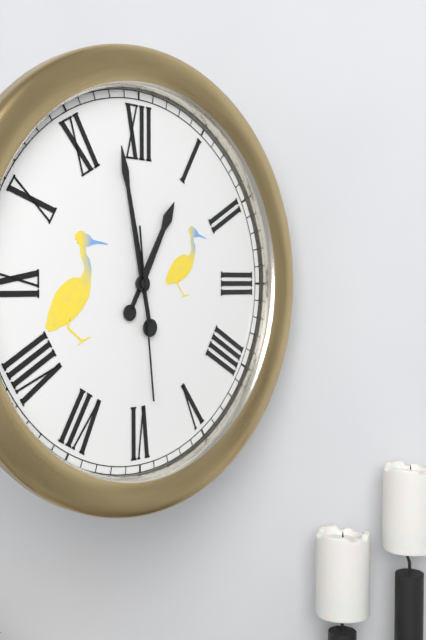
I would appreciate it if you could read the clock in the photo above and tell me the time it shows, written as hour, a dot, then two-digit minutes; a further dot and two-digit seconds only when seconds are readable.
12.58.29
